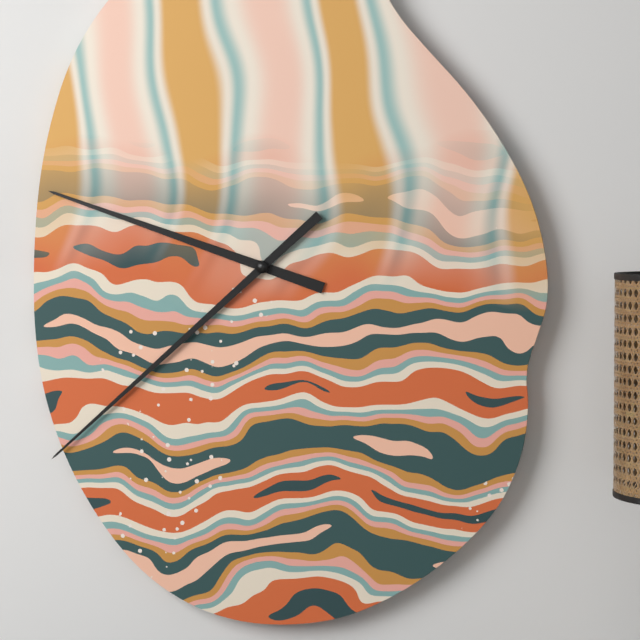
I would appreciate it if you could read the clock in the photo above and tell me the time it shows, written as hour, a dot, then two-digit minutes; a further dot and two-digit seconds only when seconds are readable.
9.38
